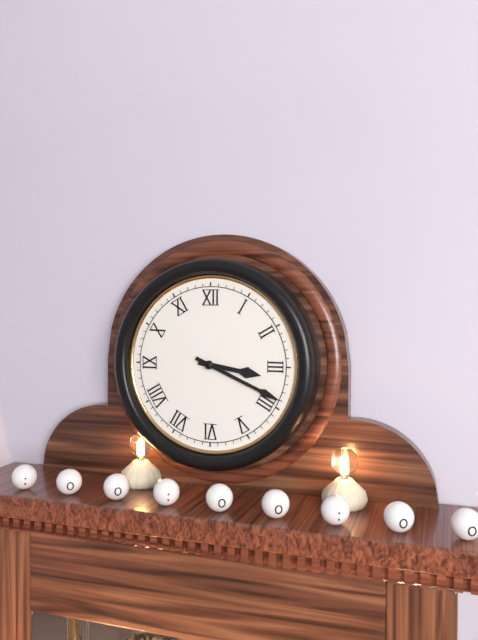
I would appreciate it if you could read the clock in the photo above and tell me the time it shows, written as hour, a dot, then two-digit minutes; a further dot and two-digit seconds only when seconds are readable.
3.19
